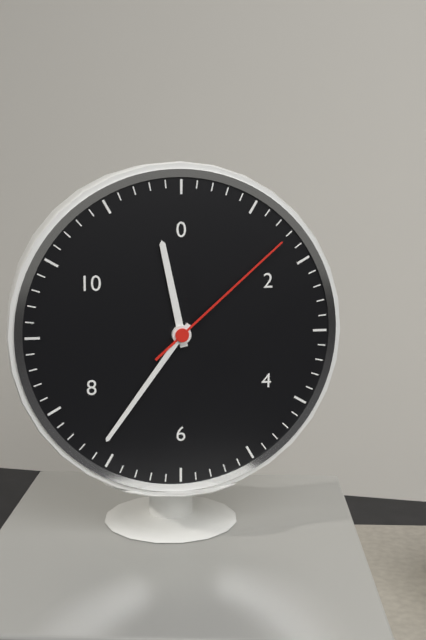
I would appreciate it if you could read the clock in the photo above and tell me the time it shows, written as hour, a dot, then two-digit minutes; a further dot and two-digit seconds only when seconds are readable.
11.36.08
